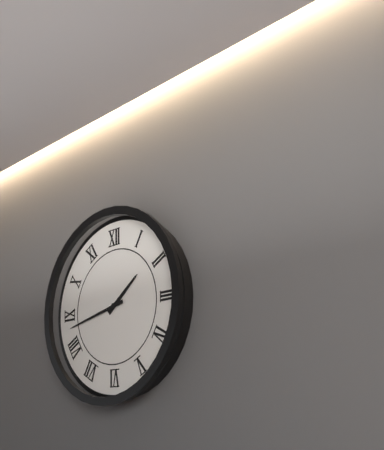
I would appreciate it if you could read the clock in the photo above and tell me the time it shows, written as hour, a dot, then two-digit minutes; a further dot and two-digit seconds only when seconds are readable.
1.43
